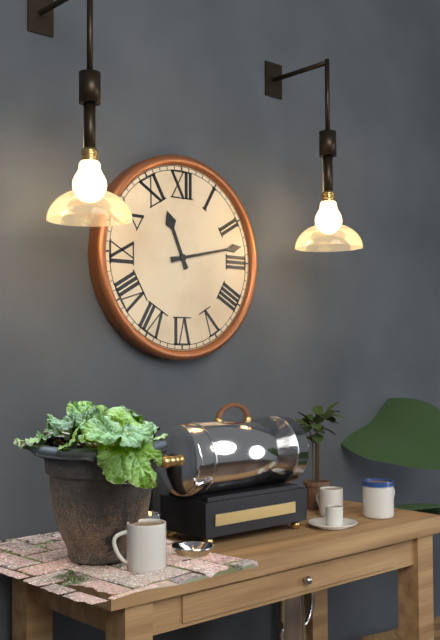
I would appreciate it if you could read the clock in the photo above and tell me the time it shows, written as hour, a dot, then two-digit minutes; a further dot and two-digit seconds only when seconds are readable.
11.13
